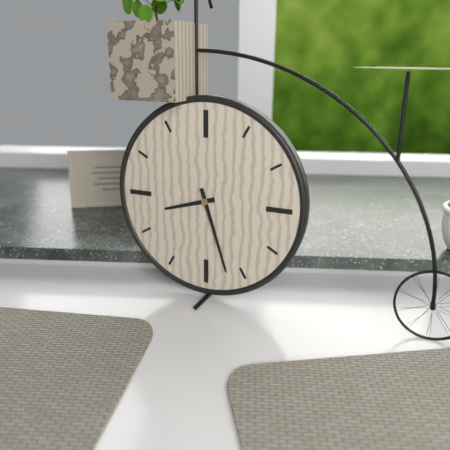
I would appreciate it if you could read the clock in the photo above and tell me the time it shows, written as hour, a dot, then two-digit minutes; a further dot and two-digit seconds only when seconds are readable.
8.27
